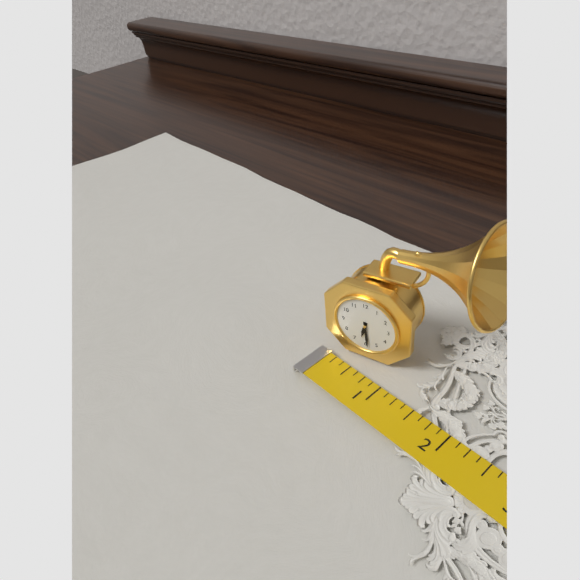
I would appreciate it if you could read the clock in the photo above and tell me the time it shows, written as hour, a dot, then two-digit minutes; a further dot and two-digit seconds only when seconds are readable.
6.29
